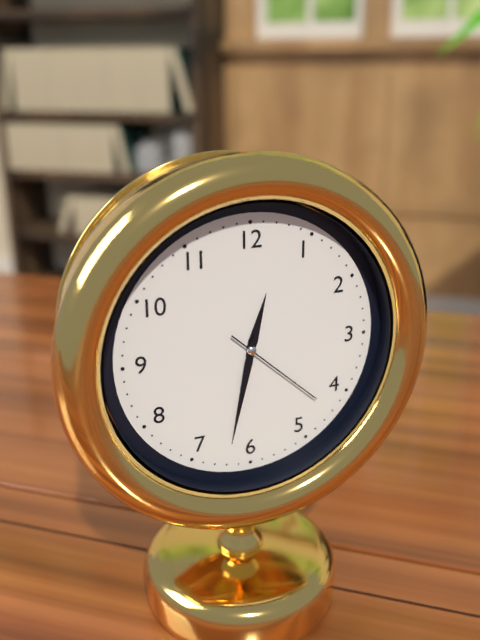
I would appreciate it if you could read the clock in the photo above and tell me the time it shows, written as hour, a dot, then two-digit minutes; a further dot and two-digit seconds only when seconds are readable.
12.32.22
